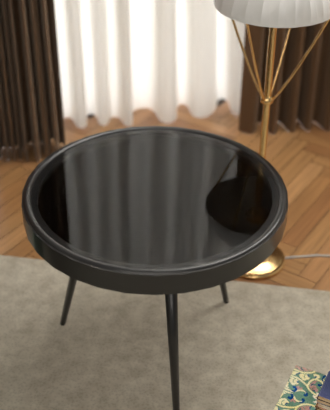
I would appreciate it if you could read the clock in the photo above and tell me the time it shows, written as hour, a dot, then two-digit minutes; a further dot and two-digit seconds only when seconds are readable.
12.18
